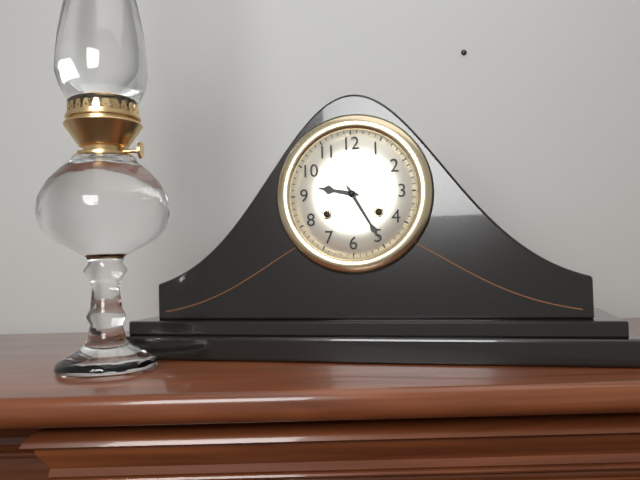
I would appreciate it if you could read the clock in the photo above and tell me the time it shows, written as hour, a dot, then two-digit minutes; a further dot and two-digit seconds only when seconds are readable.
9.25
